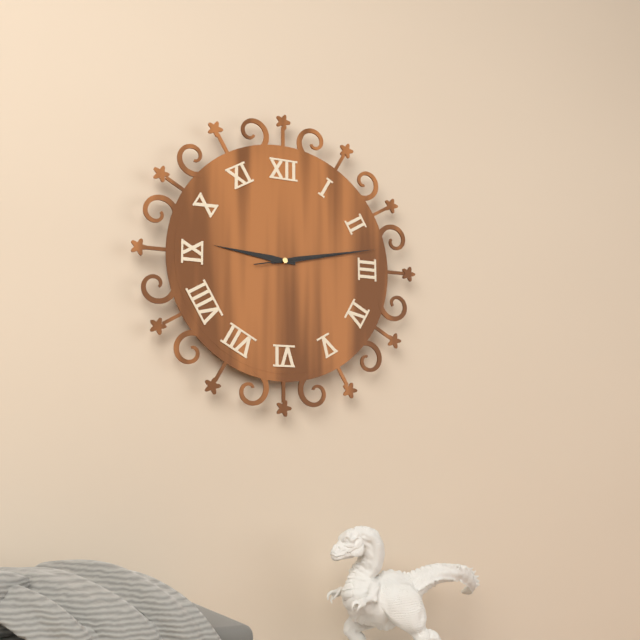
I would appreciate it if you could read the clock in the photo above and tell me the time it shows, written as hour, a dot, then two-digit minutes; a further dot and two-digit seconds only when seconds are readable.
9.13.13
